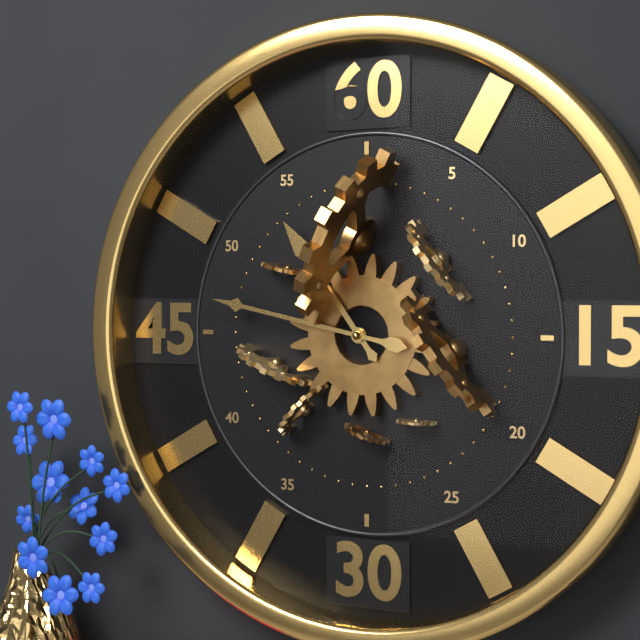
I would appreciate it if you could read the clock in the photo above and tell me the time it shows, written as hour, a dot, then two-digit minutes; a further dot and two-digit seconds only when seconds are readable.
10.47
